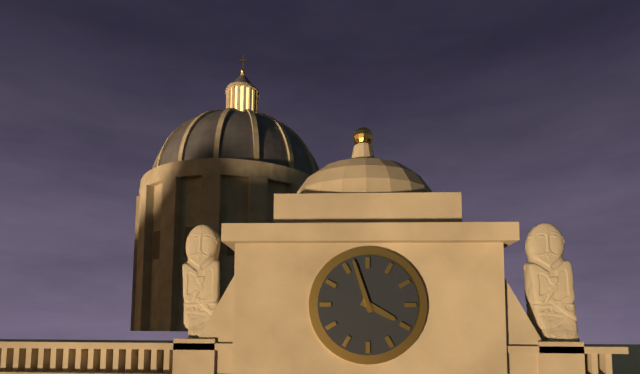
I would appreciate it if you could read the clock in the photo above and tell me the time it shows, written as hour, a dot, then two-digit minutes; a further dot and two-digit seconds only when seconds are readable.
3.57
